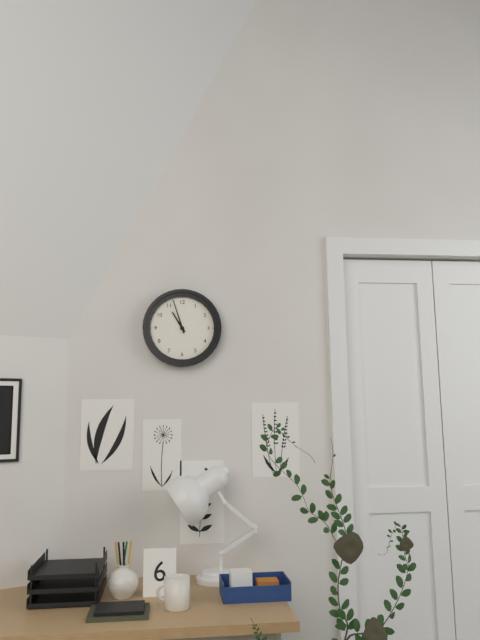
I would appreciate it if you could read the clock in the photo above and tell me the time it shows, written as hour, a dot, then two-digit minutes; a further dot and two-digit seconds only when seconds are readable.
10.57
